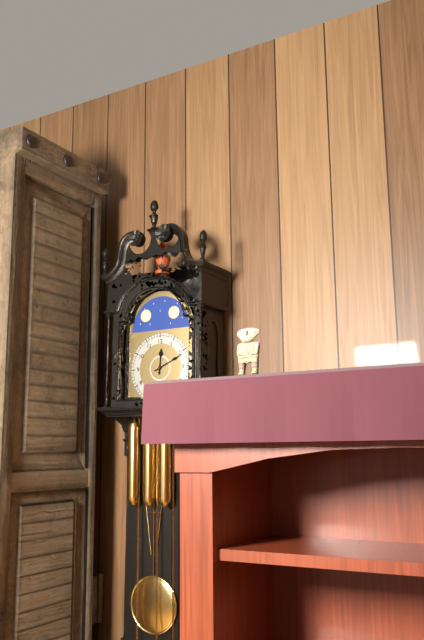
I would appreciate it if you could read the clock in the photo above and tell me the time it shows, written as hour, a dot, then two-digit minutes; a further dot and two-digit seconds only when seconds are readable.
12.11
